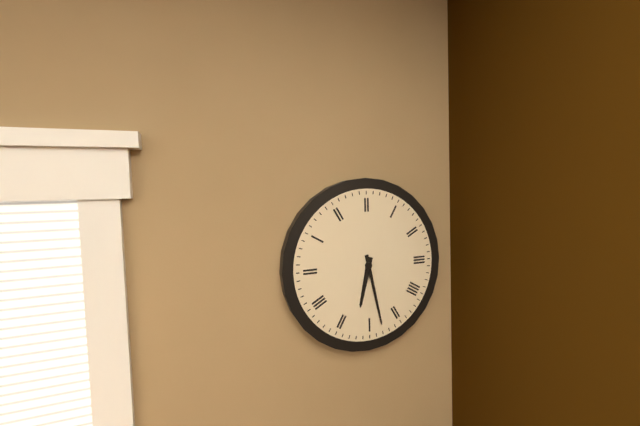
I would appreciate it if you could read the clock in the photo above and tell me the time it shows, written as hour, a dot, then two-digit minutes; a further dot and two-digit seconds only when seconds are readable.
6.28
